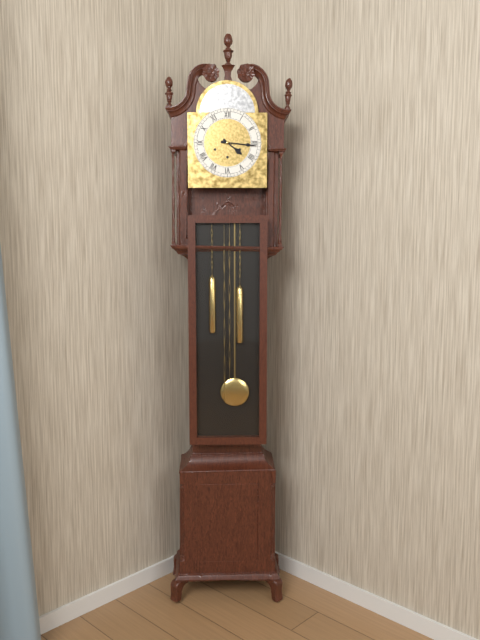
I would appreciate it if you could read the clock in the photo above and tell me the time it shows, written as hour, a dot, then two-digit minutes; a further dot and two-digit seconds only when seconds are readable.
4.16
